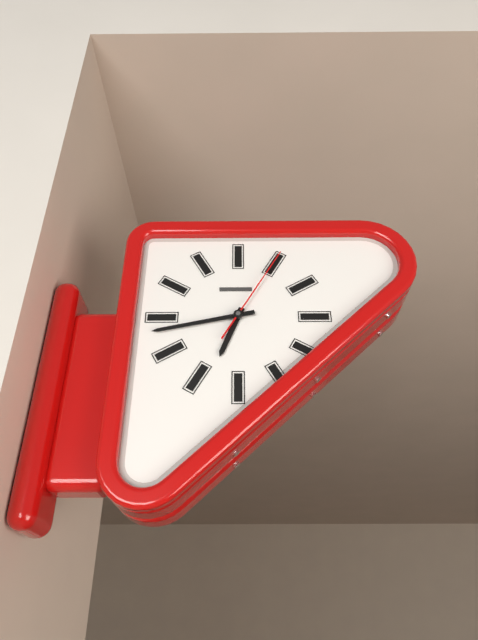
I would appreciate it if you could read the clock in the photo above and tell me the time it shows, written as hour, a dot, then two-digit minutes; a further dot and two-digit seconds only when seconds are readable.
6.43.05
